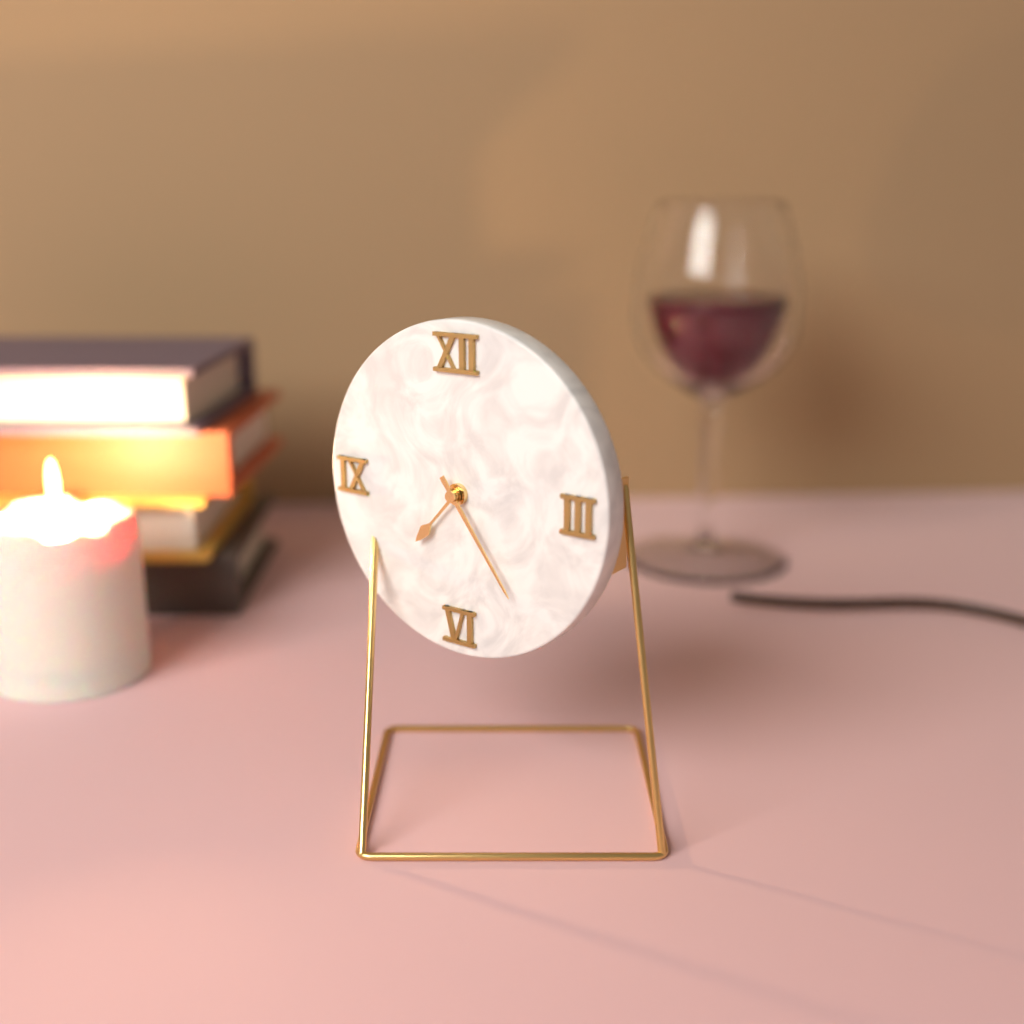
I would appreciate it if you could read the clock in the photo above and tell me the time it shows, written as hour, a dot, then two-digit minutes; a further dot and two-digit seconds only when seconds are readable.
7.24
